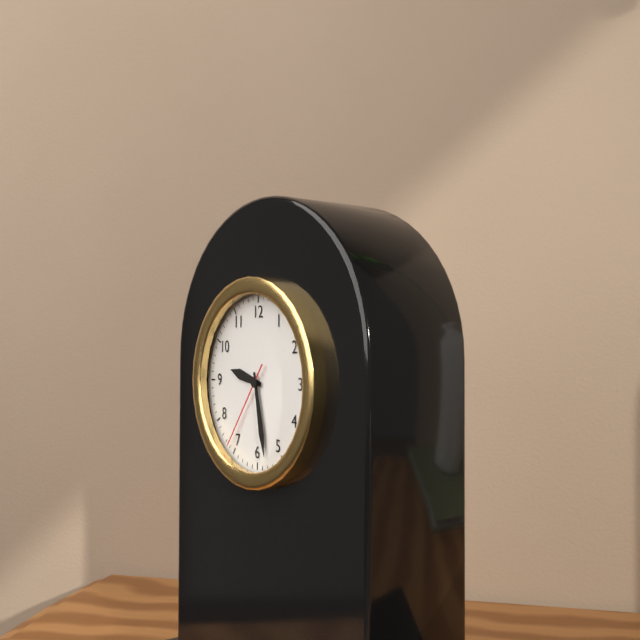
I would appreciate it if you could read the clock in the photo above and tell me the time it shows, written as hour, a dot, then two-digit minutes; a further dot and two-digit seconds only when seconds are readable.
9.28.36
